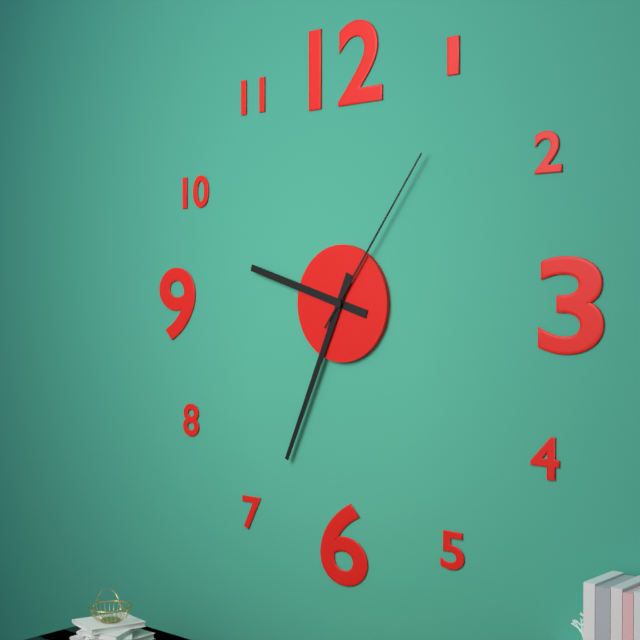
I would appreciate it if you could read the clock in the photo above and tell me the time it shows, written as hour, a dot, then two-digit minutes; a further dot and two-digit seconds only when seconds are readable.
9.34.06
